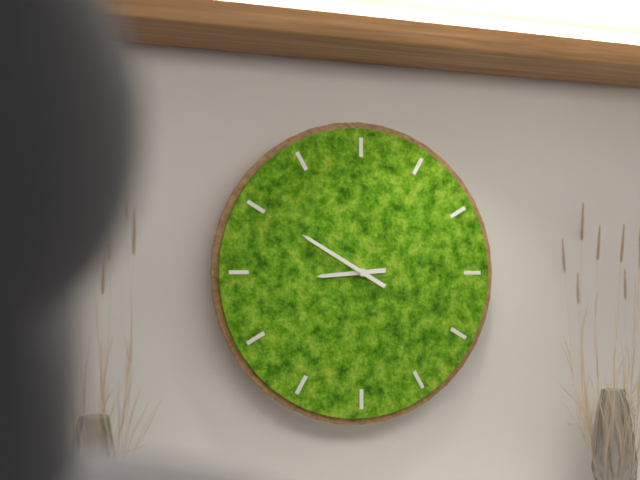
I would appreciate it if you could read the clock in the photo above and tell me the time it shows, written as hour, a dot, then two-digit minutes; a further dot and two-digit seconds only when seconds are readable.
8.50
